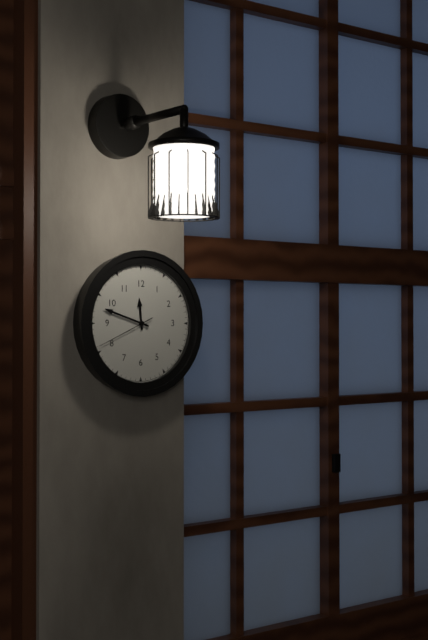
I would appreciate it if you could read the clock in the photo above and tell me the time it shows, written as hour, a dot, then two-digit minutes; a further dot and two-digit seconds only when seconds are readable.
11.48.41
